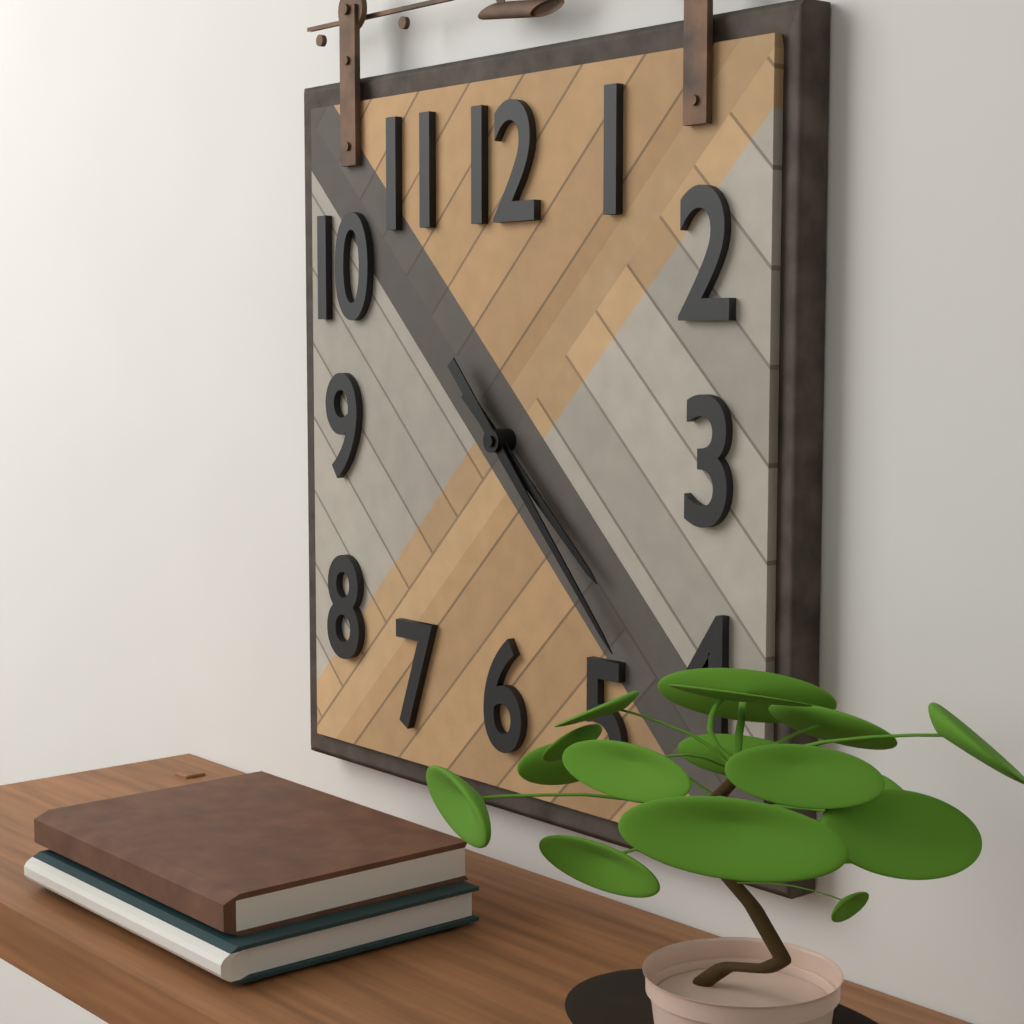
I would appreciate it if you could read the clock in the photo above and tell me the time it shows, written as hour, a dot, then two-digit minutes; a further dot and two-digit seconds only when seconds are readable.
4.23
